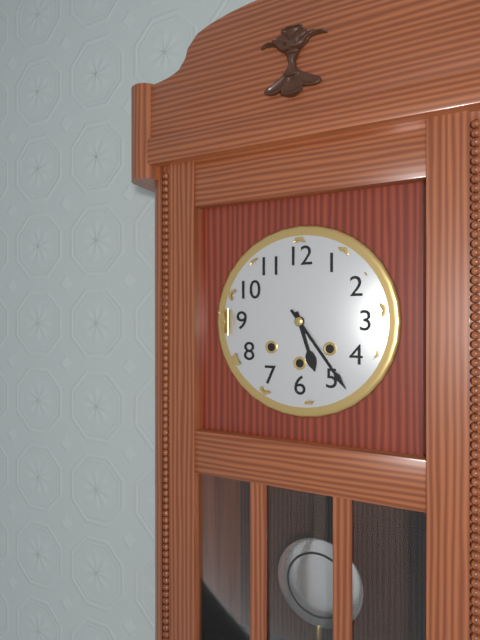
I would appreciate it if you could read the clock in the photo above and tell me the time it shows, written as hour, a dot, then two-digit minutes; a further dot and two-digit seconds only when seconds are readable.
5.24
